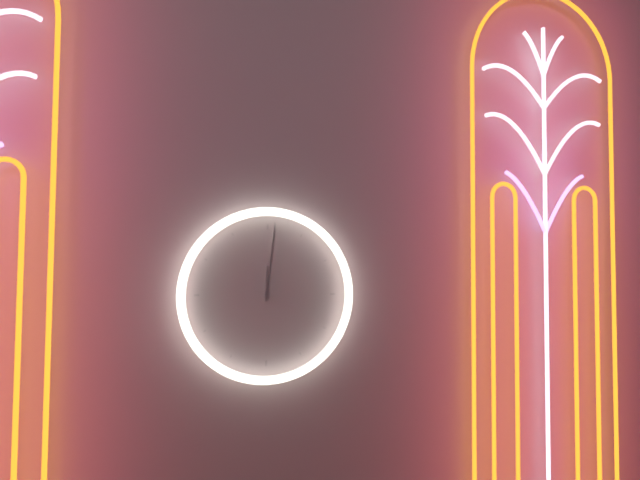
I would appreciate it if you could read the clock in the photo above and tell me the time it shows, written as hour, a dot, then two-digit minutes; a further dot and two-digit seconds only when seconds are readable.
12.01
